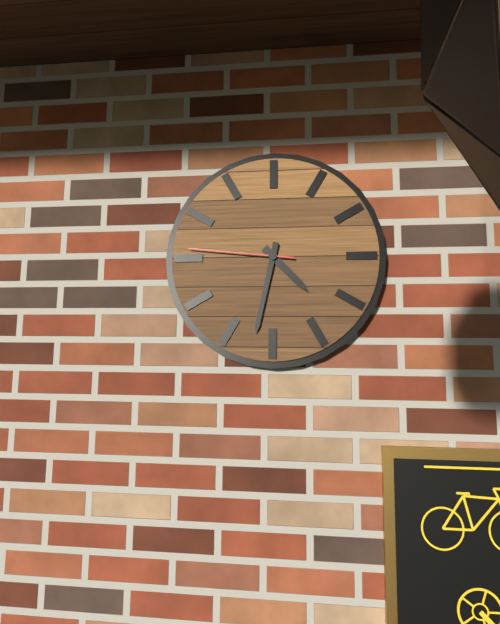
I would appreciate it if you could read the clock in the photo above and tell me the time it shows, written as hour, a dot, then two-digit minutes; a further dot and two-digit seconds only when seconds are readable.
4.32.46
